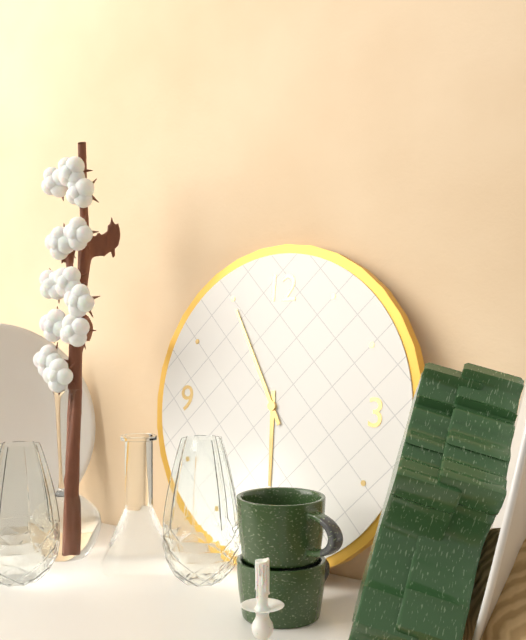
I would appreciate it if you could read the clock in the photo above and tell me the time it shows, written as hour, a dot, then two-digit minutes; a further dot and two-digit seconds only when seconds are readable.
5.55
